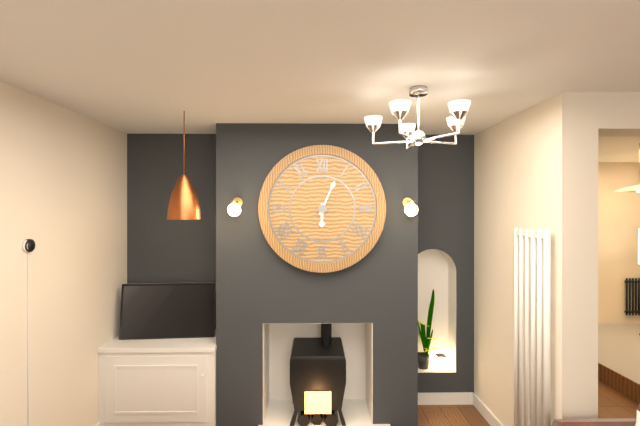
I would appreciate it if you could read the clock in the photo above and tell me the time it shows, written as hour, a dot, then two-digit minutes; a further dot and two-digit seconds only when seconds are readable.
6.04
